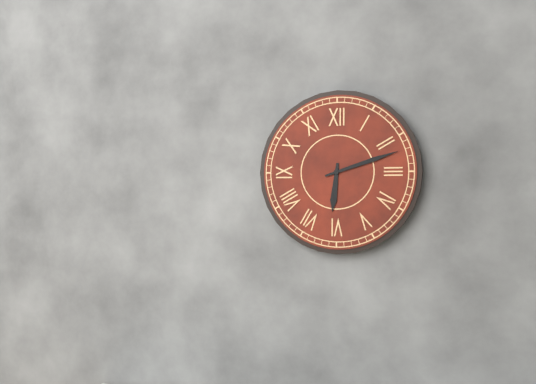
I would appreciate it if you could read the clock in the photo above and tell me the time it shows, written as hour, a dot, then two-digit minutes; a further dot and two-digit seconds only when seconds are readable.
6.12
